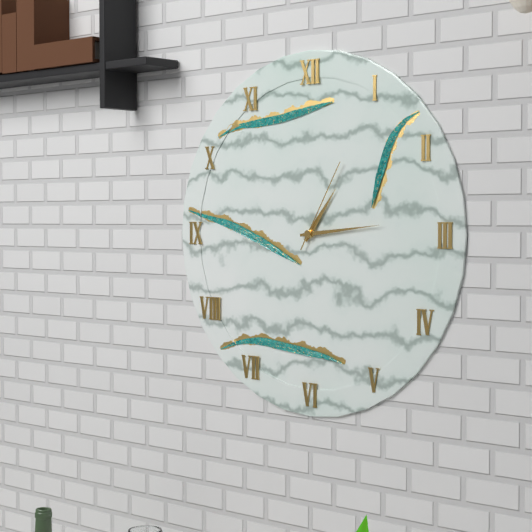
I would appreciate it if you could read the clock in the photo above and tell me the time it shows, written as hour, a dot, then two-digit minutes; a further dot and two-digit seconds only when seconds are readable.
1.14.05
